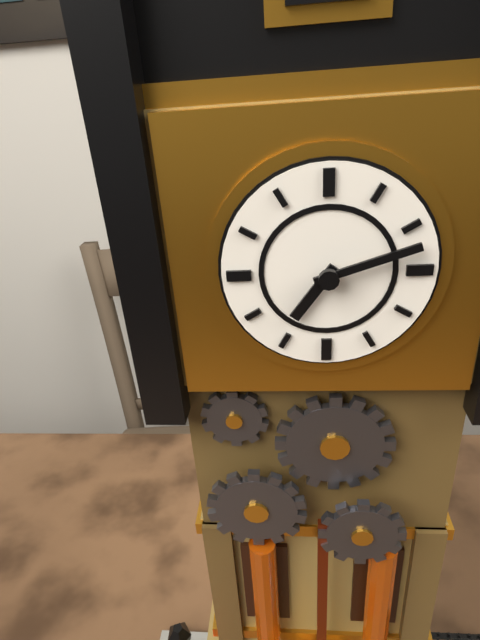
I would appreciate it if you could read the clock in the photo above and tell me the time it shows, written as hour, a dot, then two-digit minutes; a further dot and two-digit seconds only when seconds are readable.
7.12
